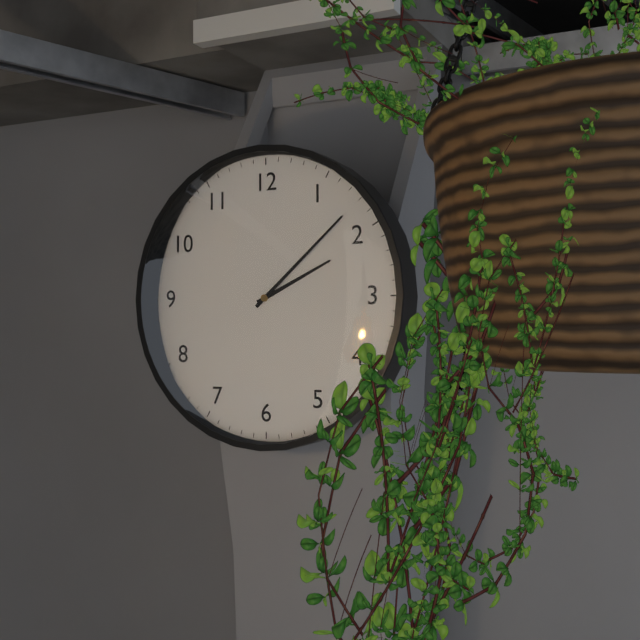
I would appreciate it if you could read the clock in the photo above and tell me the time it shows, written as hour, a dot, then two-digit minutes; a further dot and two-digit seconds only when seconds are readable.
2.08
